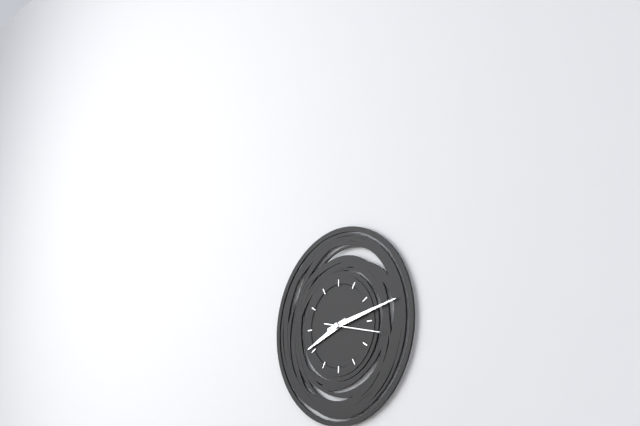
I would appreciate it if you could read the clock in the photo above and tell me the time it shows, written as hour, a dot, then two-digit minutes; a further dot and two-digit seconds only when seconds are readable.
8.13
